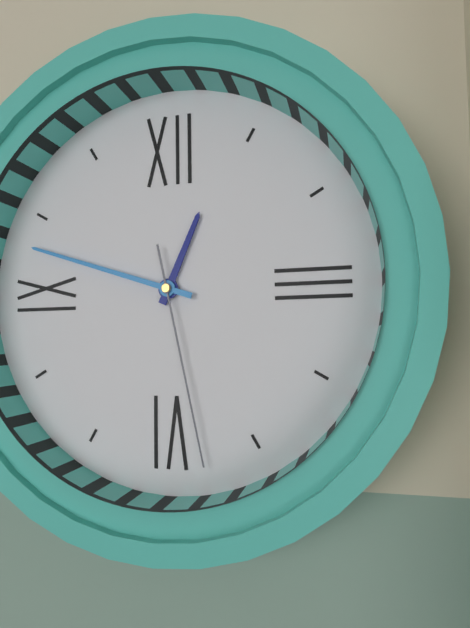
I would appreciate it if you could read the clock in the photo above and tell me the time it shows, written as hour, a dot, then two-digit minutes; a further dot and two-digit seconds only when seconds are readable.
12.48.28
